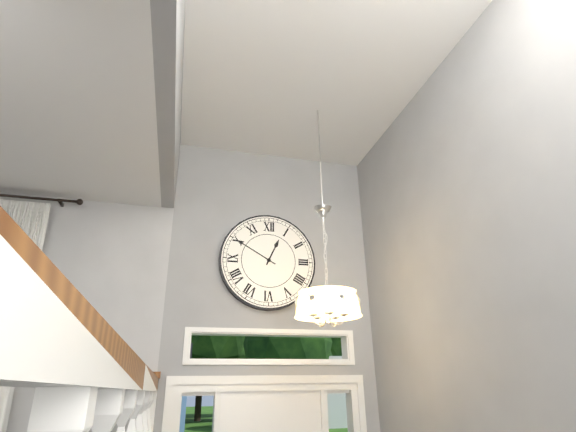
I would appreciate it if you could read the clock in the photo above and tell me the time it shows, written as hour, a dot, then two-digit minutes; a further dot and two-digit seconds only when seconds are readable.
12.50
